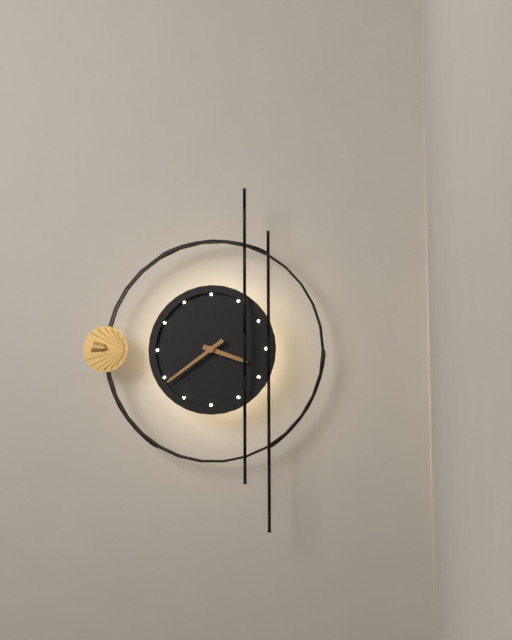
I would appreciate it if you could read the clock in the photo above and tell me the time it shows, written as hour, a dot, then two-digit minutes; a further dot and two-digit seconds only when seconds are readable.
3.39
